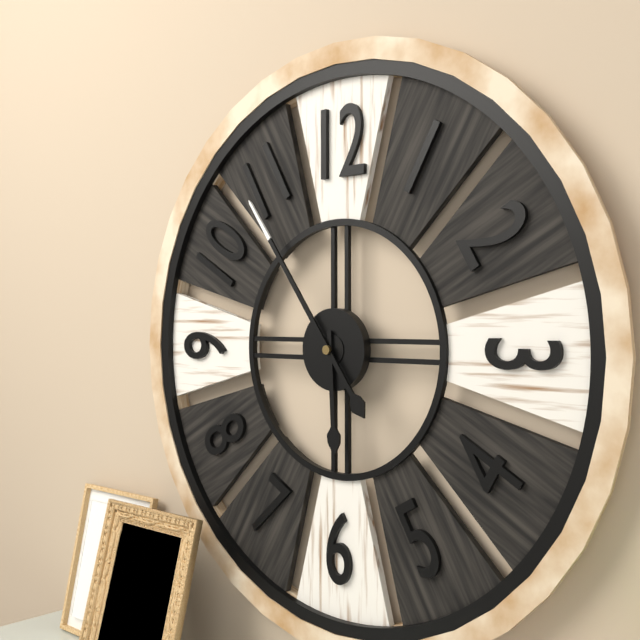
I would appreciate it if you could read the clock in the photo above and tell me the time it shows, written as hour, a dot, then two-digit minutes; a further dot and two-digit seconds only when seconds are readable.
5.54
